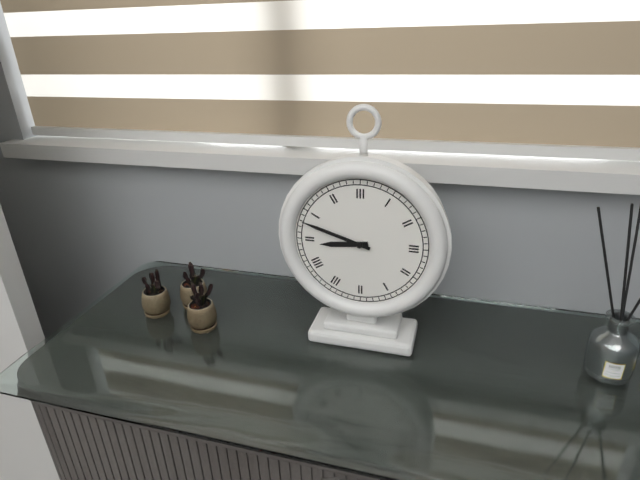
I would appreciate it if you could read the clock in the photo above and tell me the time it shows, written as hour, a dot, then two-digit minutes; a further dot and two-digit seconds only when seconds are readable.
8.48
